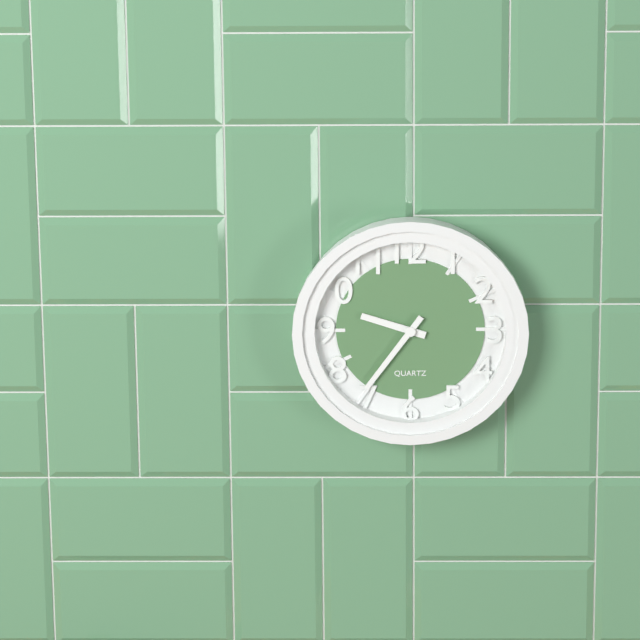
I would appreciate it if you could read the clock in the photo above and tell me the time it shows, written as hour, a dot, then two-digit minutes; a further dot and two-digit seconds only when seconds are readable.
9.36
